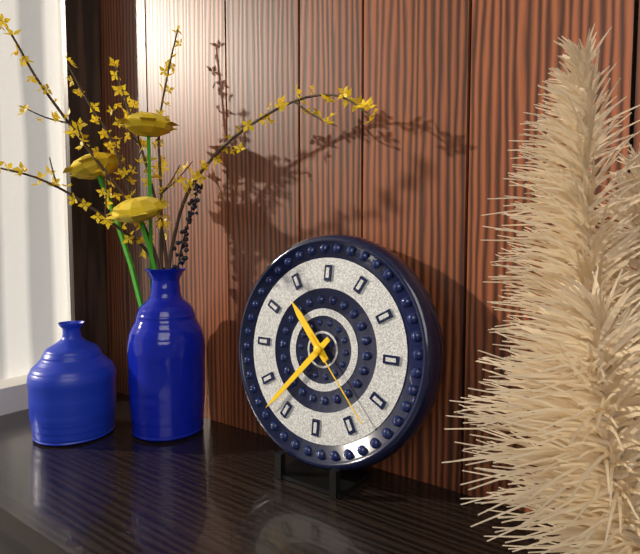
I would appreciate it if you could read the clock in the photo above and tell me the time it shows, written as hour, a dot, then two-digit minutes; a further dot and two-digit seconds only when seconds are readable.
10.37.23
